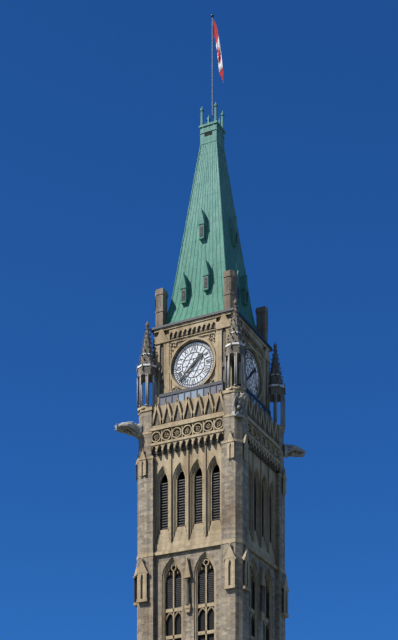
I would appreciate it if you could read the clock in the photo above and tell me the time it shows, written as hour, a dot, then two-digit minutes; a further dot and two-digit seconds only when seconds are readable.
1.38
